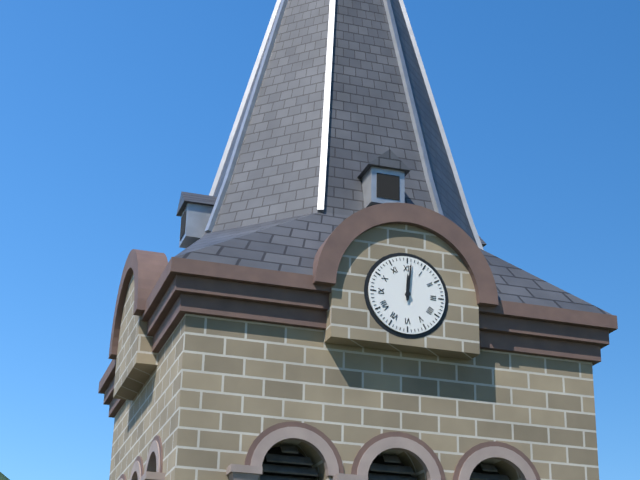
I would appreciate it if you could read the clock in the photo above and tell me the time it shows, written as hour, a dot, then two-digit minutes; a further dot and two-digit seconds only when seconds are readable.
12.01
